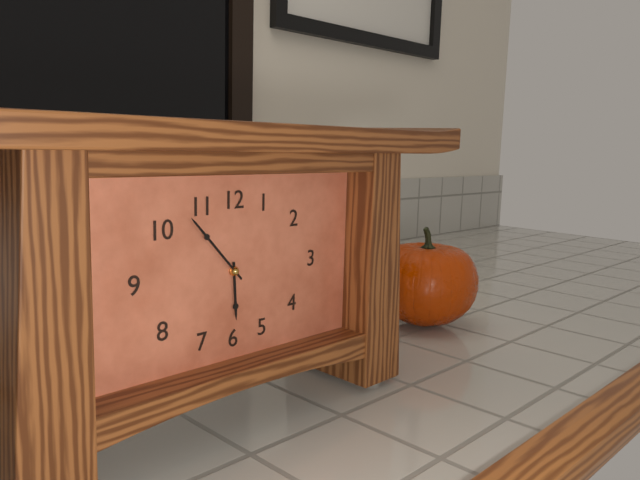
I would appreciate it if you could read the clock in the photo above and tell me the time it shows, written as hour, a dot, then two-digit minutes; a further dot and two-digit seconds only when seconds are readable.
5.53
